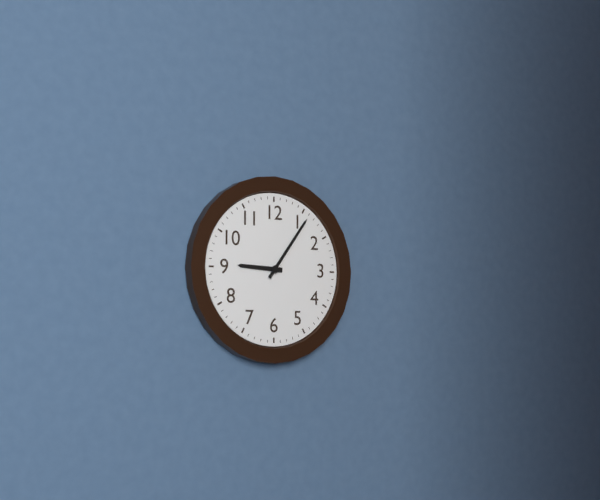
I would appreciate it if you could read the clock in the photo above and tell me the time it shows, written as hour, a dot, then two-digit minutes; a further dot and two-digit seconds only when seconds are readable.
9.06
